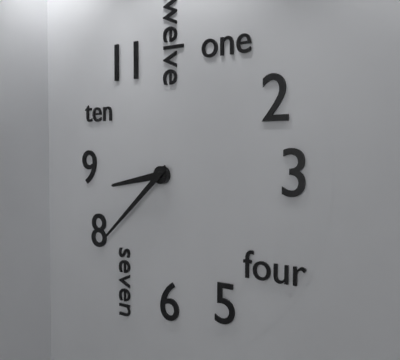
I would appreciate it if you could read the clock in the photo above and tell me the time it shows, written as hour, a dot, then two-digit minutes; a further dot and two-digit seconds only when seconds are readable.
8.38
